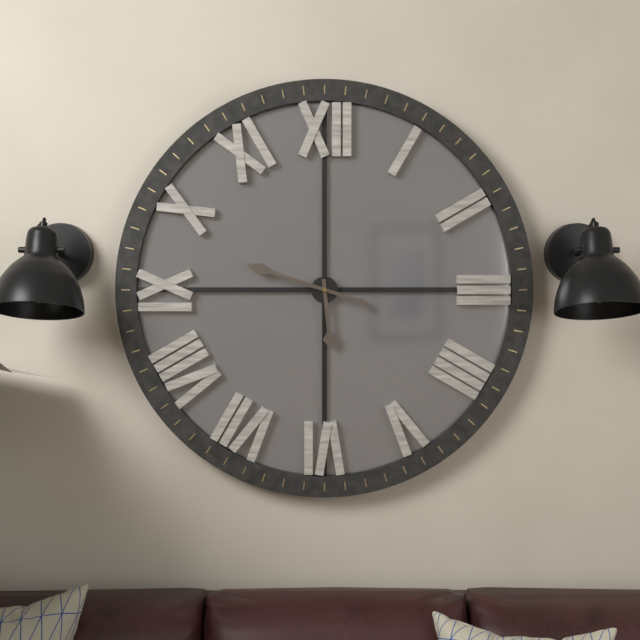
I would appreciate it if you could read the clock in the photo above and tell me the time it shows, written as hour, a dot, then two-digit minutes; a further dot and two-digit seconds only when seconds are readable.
5.48
